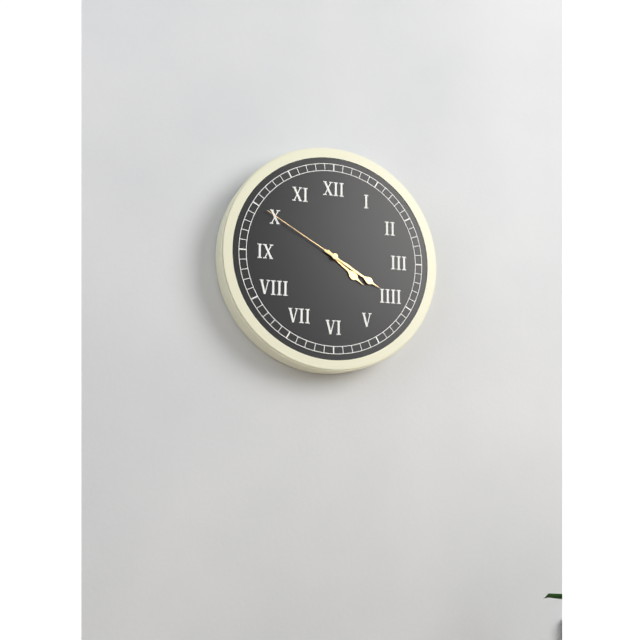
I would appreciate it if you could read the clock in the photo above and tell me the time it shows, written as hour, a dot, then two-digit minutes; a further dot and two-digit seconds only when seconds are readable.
4.20.50
